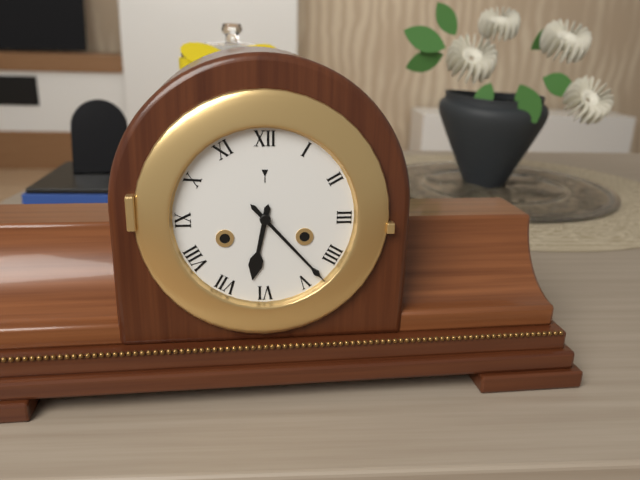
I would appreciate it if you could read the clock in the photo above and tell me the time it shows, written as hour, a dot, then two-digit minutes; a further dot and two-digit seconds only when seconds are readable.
6.23
